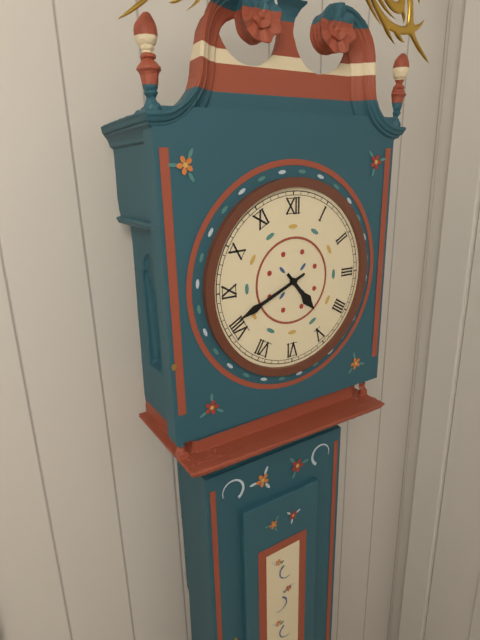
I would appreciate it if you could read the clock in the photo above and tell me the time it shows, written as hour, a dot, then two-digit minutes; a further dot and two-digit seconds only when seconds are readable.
4.41
